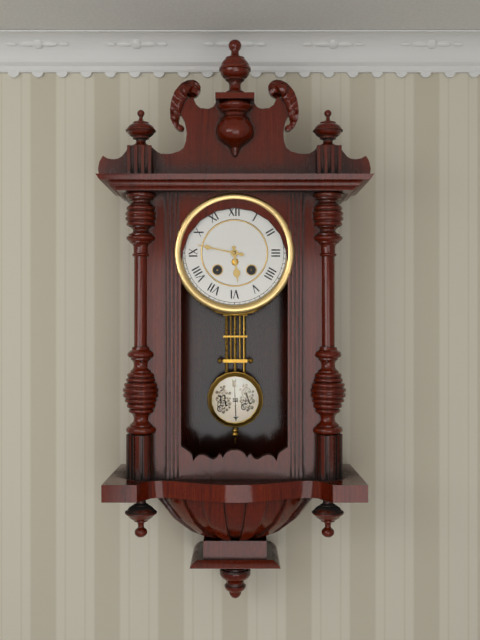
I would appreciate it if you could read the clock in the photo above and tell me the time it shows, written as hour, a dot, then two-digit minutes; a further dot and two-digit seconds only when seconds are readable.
5.47
